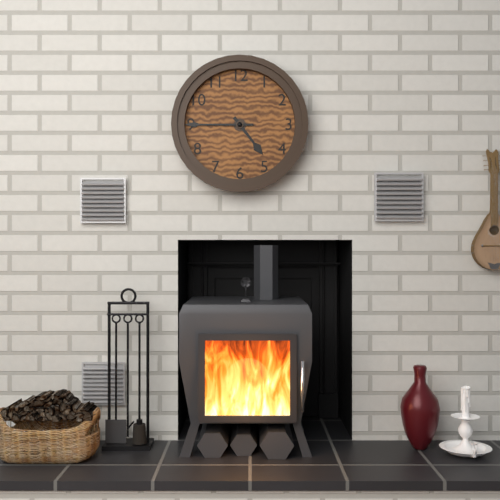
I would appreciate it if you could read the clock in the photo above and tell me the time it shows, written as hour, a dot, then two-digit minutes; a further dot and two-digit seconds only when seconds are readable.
4.45
